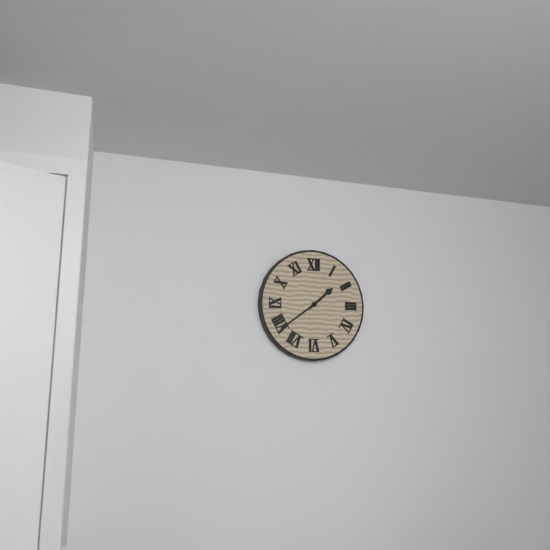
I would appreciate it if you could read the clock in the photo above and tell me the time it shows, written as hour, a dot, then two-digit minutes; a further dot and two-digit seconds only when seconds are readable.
1.39
